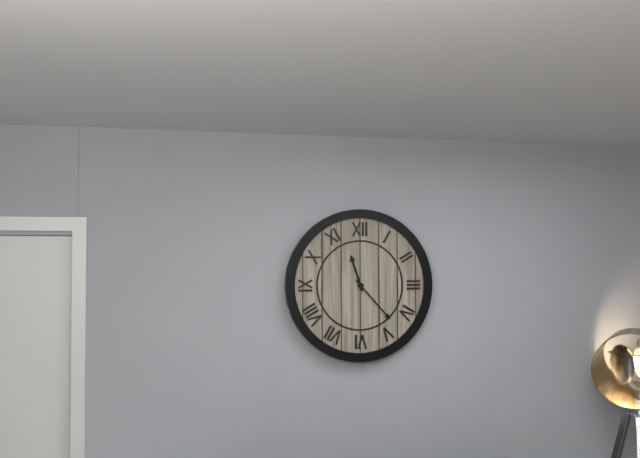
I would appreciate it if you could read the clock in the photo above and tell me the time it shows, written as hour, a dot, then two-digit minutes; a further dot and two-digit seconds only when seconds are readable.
11.23
